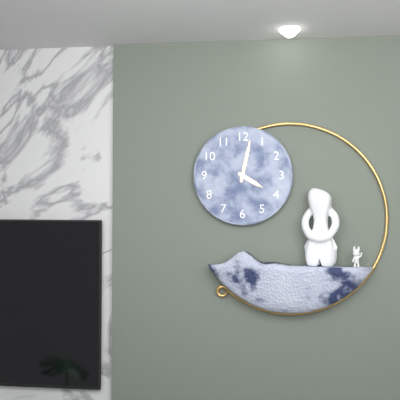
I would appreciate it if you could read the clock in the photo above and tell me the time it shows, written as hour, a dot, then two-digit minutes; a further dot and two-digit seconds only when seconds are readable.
4.02
